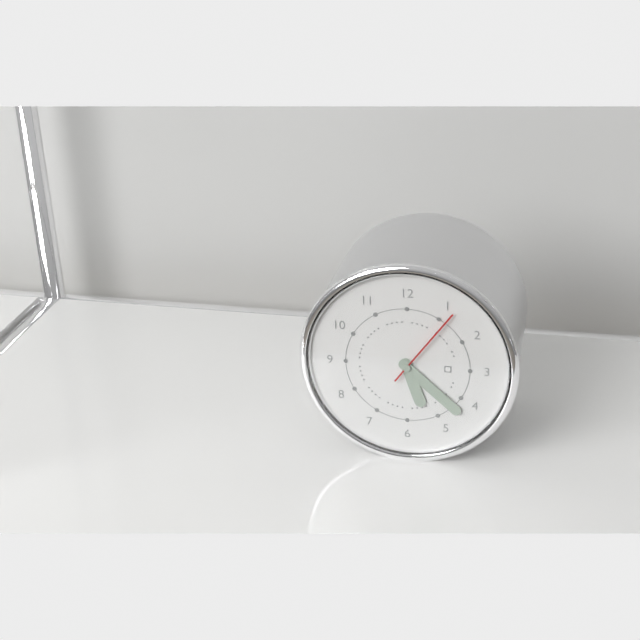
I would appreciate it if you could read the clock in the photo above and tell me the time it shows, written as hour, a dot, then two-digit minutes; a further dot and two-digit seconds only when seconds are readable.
5.22.06
